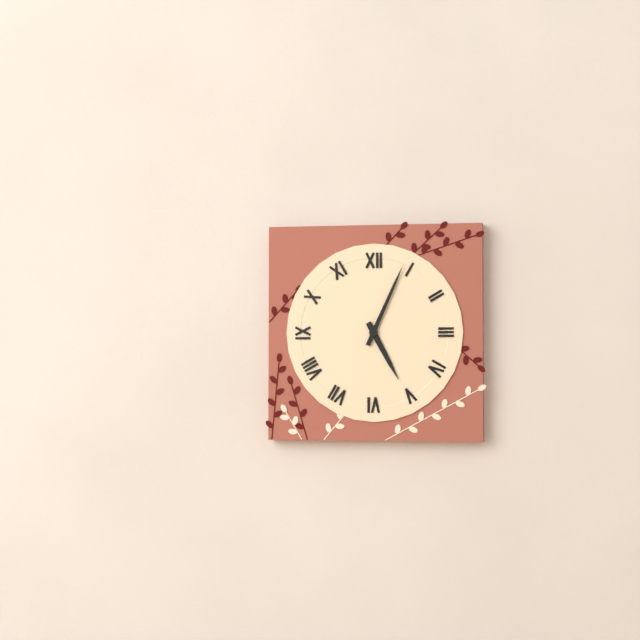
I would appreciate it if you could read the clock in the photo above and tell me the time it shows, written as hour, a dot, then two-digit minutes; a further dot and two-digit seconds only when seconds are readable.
5.04
